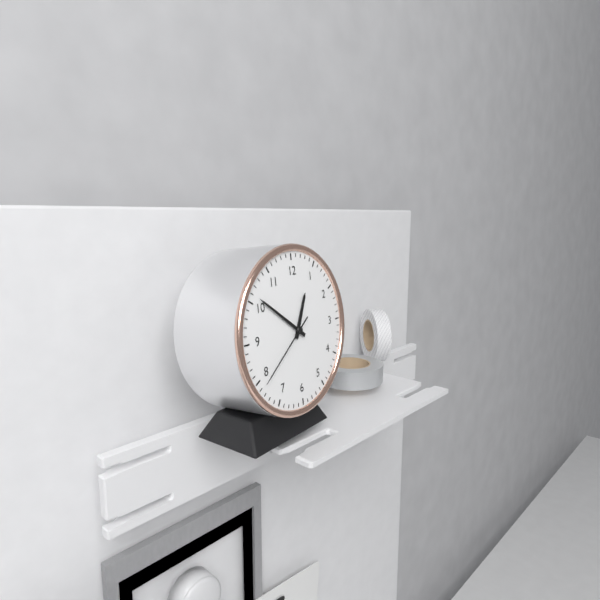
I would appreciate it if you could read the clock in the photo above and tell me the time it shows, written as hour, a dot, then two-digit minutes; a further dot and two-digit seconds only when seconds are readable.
12.51.39
